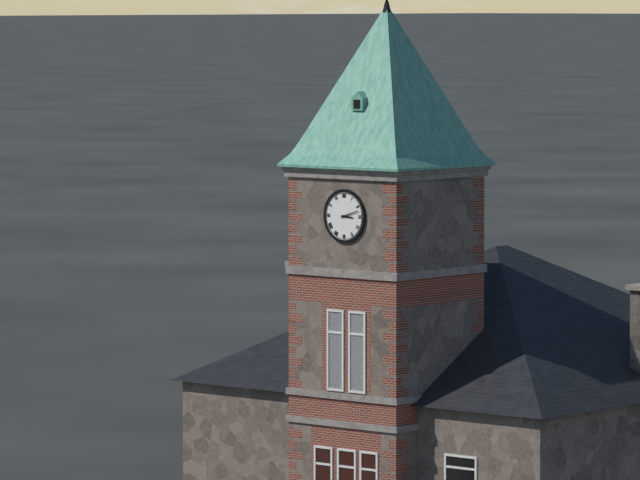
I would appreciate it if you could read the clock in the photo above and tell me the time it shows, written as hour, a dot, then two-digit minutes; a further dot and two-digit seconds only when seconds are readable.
3.12
